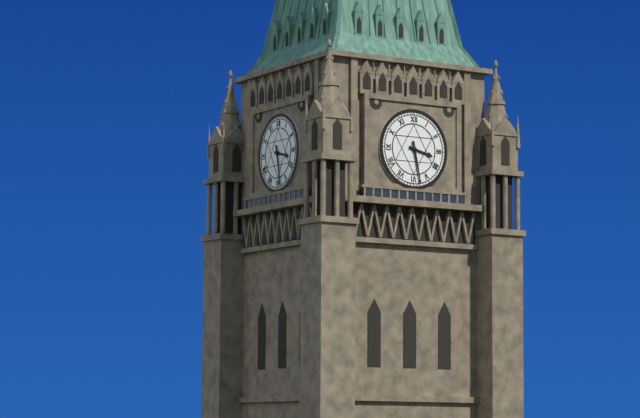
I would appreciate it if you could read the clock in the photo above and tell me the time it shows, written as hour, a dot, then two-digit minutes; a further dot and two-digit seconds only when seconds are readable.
3.28
